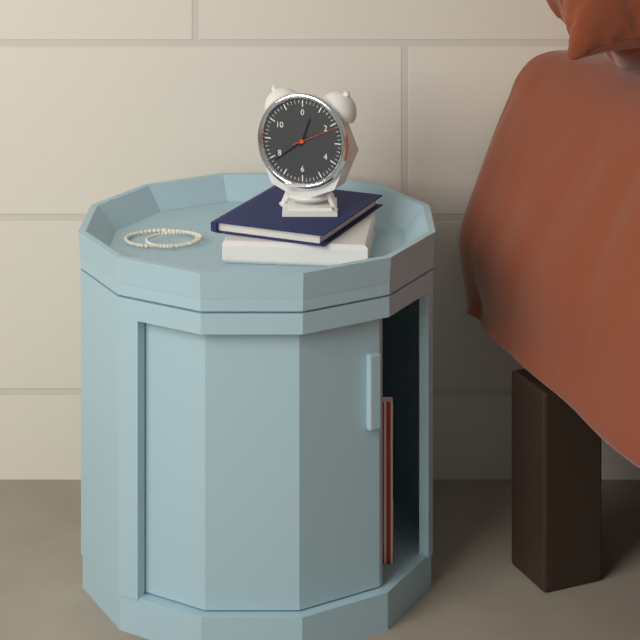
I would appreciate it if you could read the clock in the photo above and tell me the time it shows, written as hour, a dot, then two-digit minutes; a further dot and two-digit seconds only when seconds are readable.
12.39
